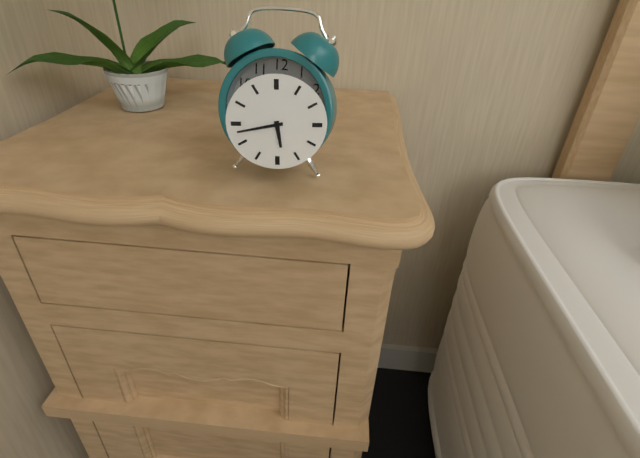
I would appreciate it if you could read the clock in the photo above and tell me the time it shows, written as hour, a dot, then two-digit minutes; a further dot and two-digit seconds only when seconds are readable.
5.43
